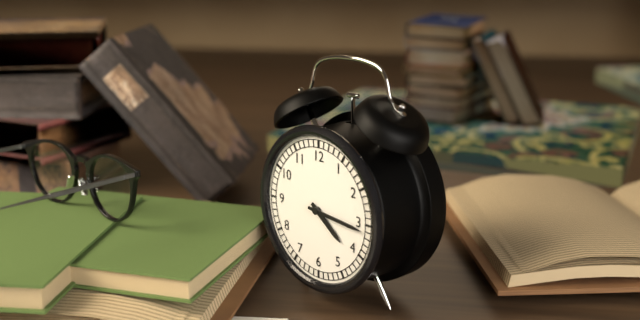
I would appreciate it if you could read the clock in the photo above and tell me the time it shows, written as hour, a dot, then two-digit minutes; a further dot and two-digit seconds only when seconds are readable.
4.16
